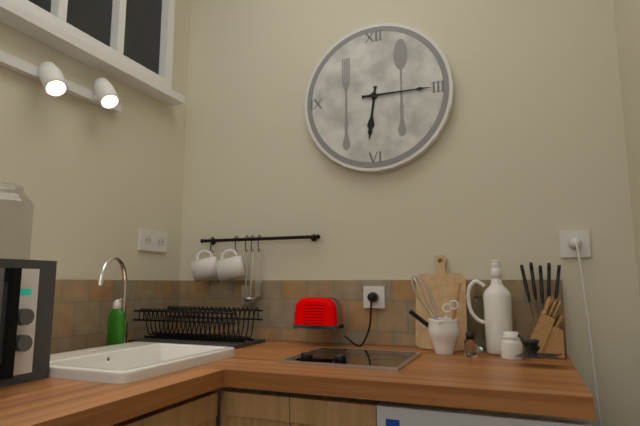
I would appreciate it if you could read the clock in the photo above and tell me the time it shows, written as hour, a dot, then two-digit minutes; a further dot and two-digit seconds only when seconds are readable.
6.15
